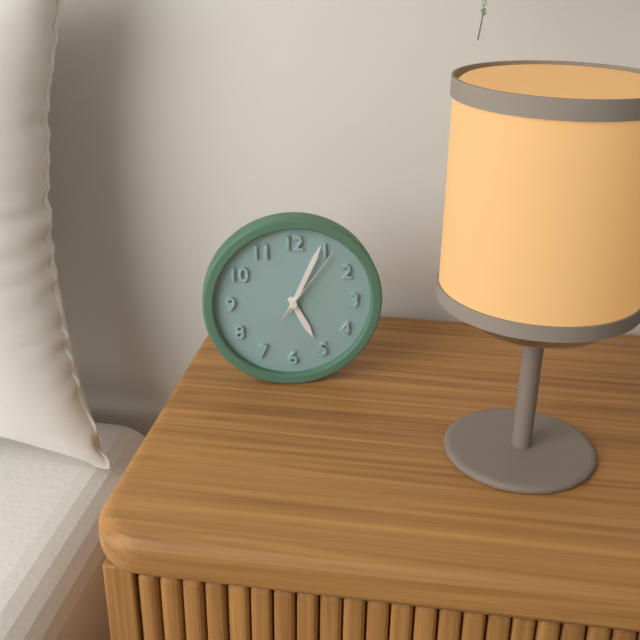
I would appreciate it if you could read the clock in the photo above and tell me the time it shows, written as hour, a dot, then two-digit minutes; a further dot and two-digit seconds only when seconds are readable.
5.04.06
